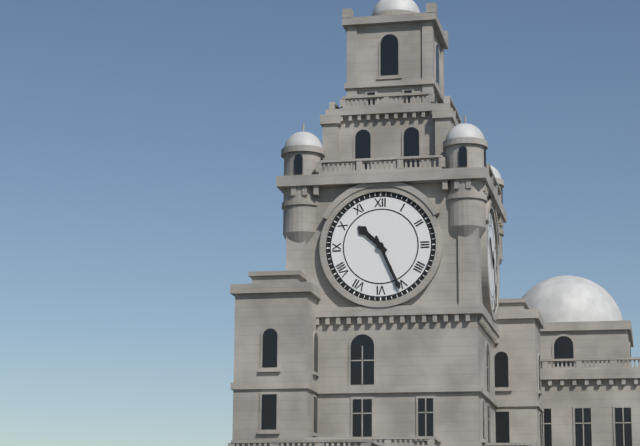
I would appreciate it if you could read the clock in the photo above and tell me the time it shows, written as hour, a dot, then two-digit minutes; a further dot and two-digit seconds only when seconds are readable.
10.26
